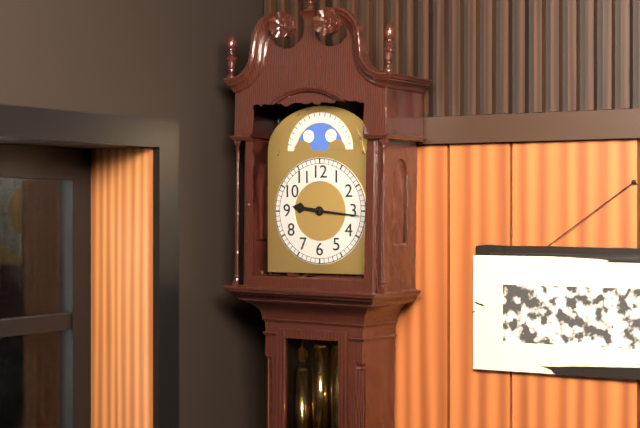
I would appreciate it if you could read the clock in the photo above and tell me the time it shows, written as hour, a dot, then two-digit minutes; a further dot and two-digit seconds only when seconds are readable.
9.16
